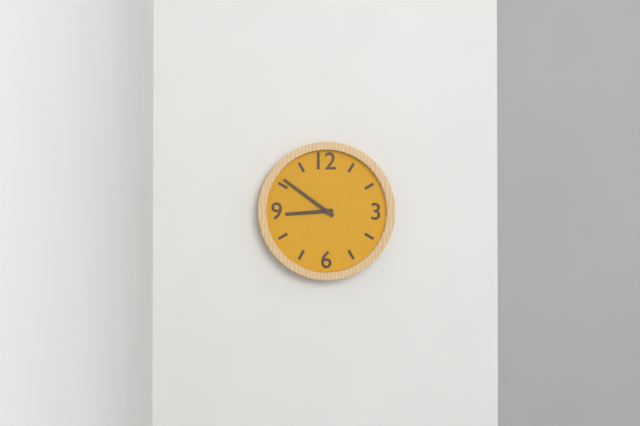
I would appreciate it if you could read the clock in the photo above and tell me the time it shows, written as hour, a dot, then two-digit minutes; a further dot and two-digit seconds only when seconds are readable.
8.51
